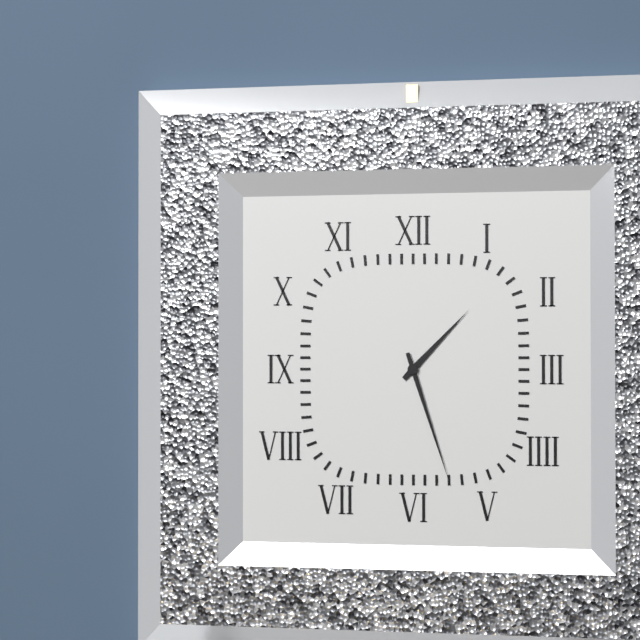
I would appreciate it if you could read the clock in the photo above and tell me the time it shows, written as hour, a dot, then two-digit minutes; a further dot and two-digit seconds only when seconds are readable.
1.27
